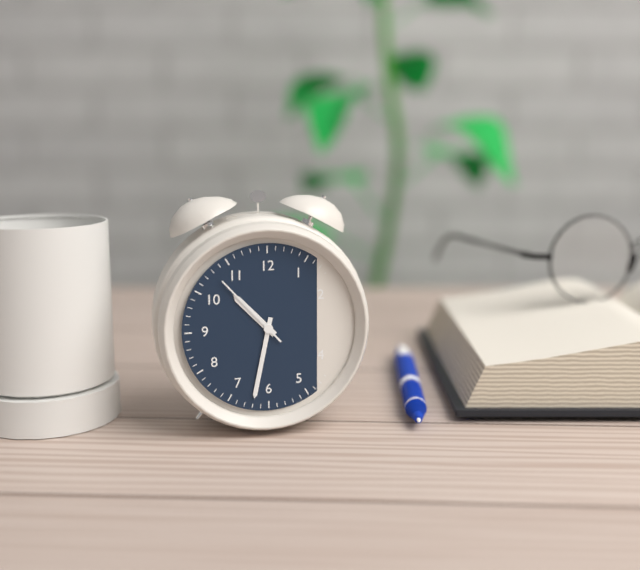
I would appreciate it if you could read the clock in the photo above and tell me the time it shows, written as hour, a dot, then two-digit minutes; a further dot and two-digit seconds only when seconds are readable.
10.32.53
